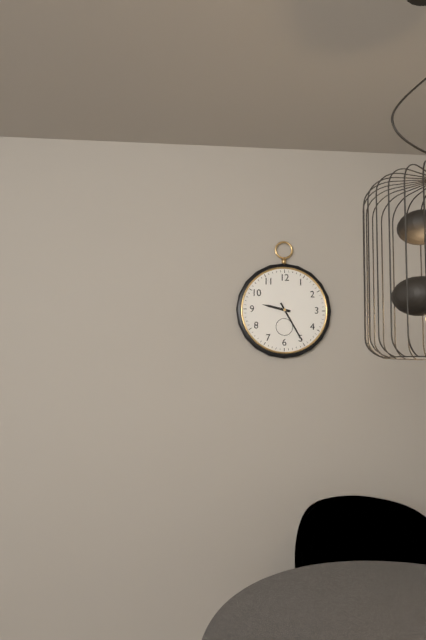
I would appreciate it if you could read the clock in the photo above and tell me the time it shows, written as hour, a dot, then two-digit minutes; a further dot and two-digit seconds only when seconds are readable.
9.25
